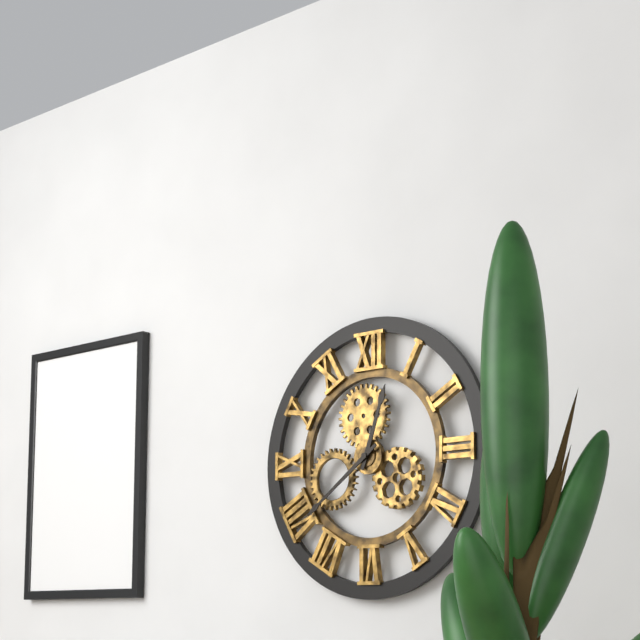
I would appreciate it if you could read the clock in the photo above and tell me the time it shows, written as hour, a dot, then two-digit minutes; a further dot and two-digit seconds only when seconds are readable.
12.39
